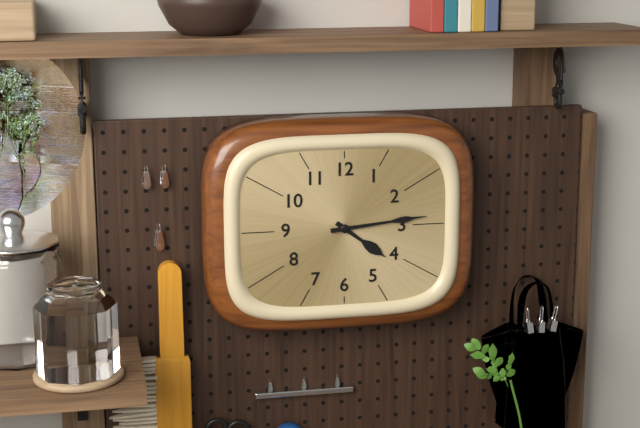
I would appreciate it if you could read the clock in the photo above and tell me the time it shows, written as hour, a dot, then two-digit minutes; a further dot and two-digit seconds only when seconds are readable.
4.14
